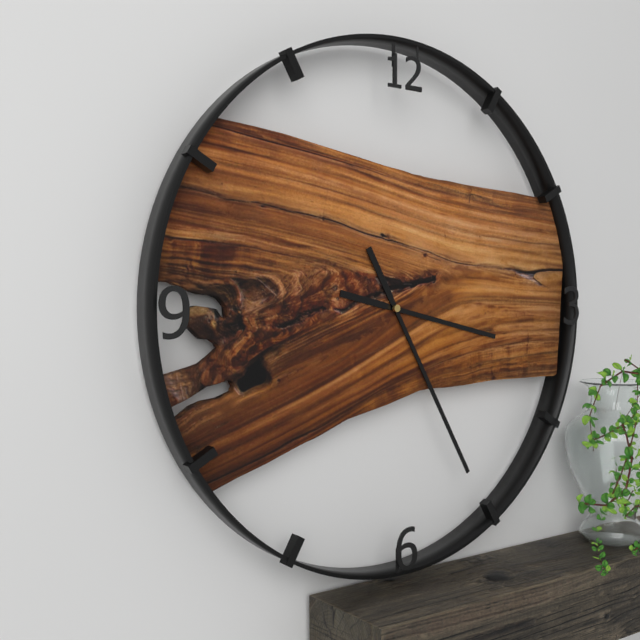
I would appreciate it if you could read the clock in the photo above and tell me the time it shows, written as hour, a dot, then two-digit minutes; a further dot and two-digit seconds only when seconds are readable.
3.25
